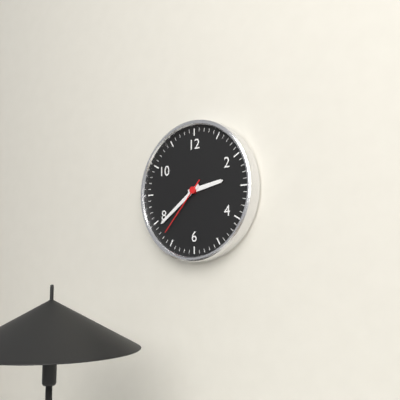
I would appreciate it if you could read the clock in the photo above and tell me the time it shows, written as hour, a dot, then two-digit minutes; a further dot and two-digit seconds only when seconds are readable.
2.39.37
